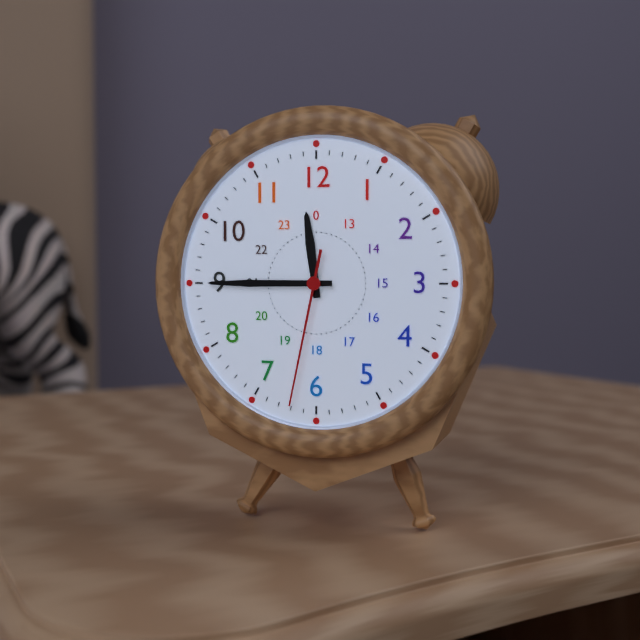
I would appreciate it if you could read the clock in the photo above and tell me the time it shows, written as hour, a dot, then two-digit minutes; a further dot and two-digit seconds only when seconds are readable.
11.45.32
